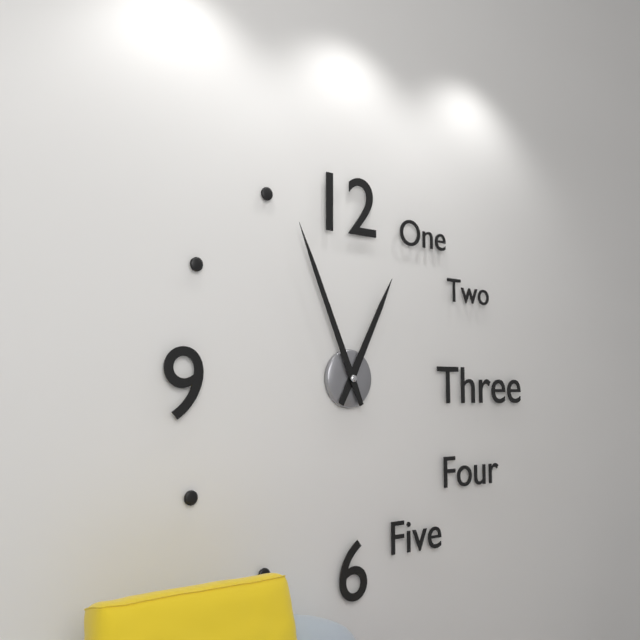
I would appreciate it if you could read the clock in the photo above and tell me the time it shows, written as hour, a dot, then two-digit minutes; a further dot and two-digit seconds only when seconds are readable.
12.56
